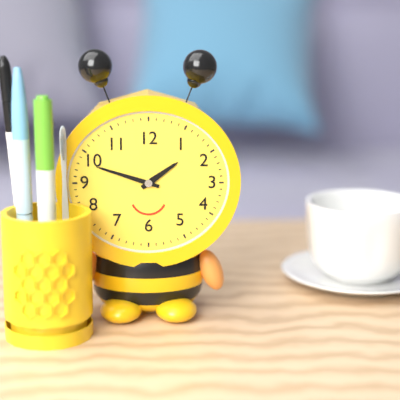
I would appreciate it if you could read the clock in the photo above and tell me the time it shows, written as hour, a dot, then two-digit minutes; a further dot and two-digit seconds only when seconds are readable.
1.48
